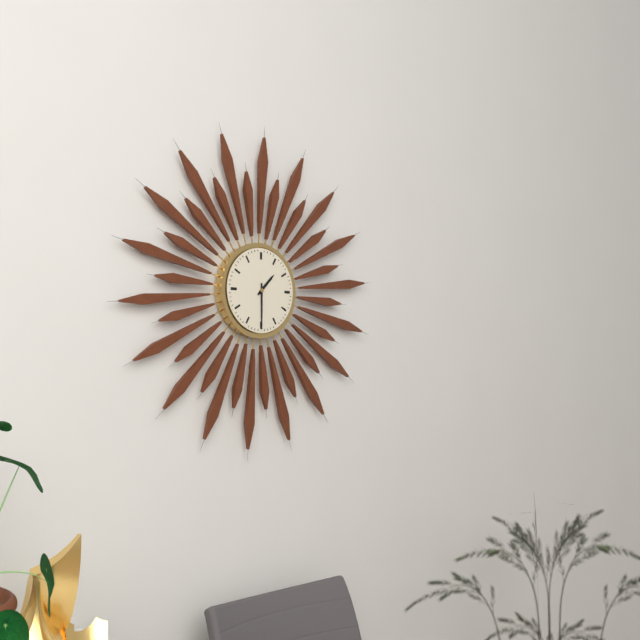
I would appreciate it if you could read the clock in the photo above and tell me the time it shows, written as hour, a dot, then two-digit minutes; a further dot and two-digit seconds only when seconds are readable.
1.30
